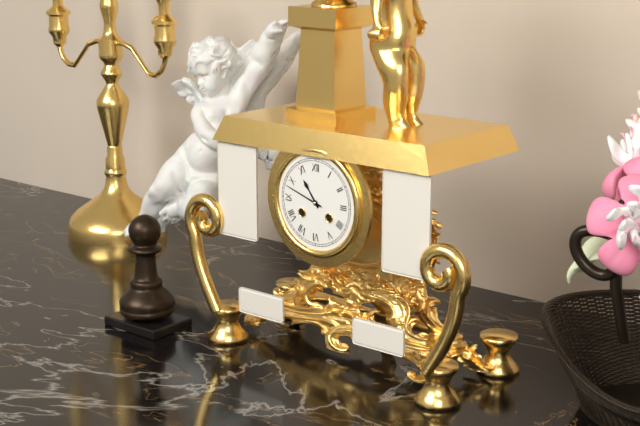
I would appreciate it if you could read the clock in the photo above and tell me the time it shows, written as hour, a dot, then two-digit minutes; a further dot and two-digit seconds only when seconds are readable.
10.48
